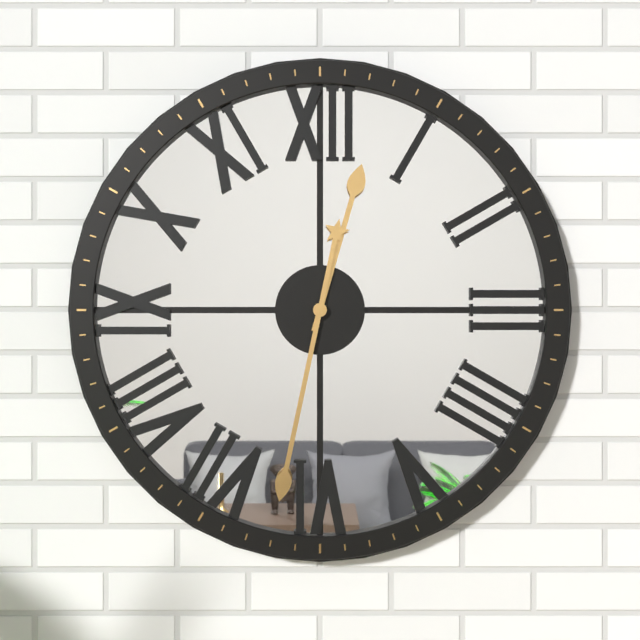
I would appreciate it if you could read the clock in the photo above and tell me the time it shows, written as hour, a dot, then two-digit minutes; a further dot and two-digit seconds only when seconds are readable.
12.32
